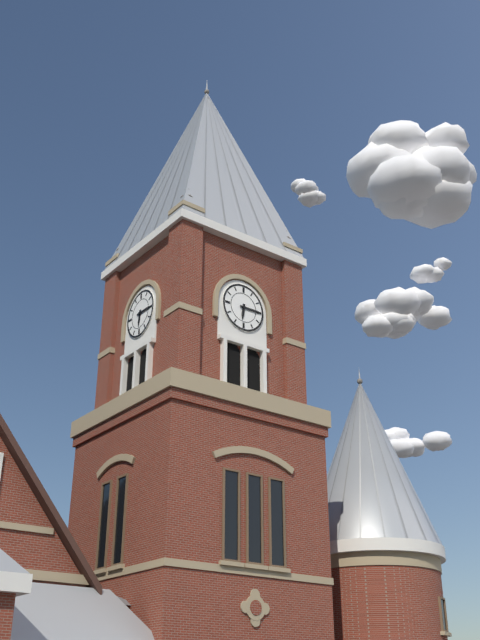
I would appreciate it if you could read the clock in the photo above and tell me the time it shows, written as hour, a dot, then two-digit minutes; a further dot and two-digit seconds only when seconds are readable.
6.15
